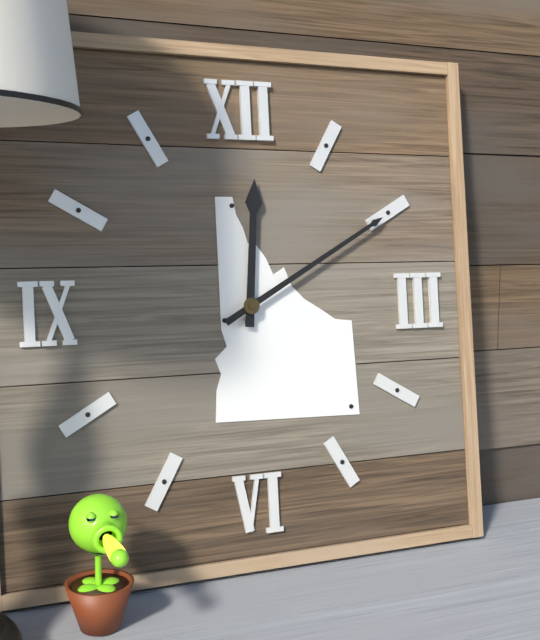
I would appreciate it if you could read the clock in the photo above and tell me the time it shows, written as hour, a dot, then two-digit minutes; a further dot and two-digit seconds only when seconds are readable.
12.10
